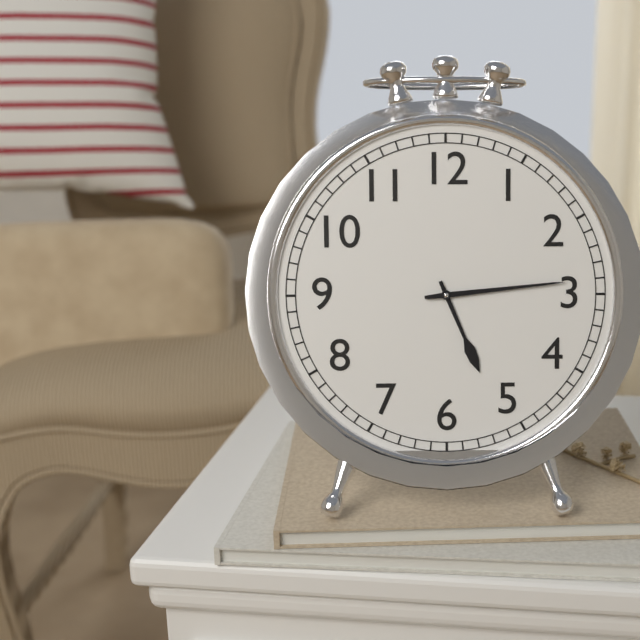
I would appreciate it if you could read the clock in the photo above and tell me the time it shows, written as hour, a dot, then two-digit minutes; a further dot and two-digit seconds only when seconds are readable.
5.14
